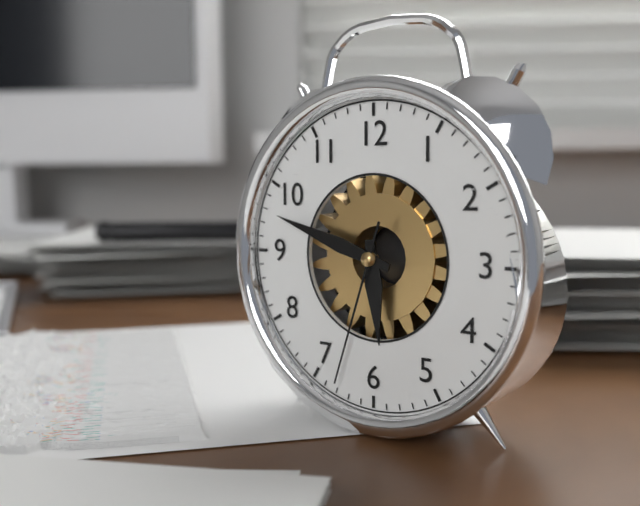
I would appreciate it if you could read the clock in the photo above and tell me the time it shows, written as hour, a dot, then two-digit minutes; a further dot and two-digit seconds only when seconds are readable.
5.48.33
